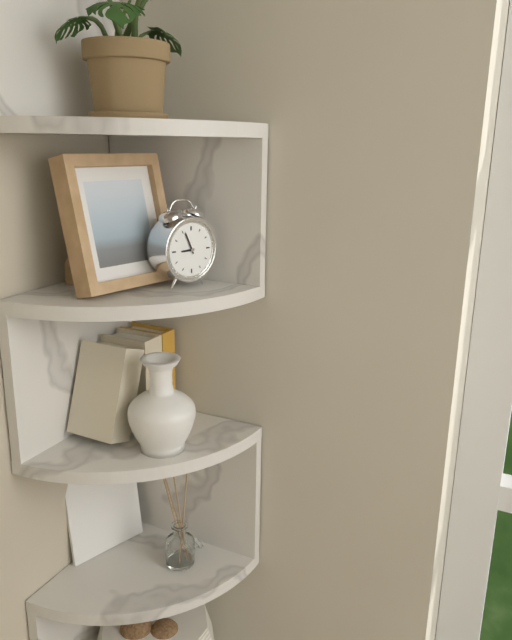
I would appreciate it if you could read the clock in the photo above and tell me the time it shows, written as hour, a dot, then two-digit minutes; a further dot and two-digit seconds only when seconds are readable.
8.56
